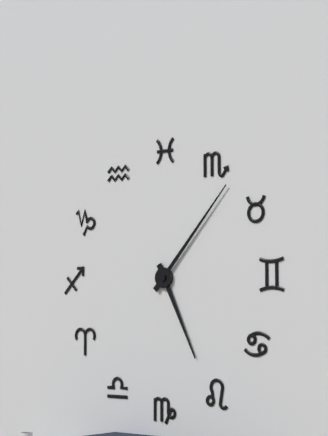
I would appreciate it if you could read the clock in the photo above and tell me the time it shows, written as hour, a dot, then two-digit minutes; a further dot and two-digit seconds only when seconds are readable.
5.07
